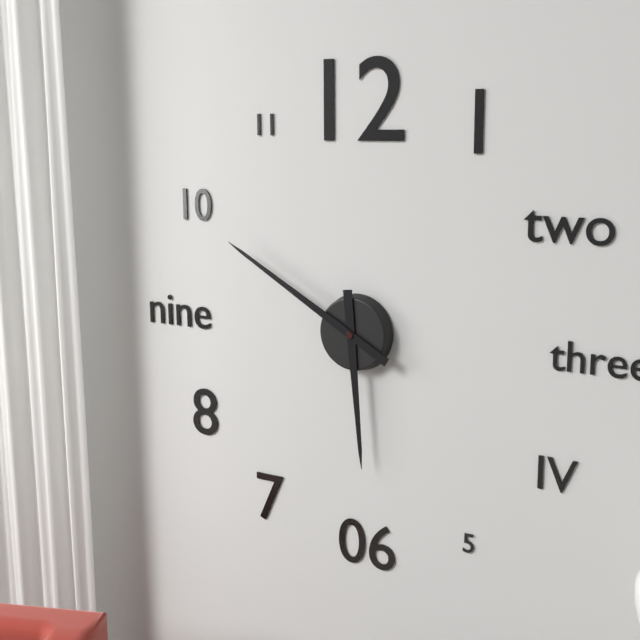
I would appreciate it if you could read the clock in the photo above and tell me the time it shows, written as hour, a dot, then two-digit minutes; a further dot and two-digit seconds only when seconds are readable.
5.50
